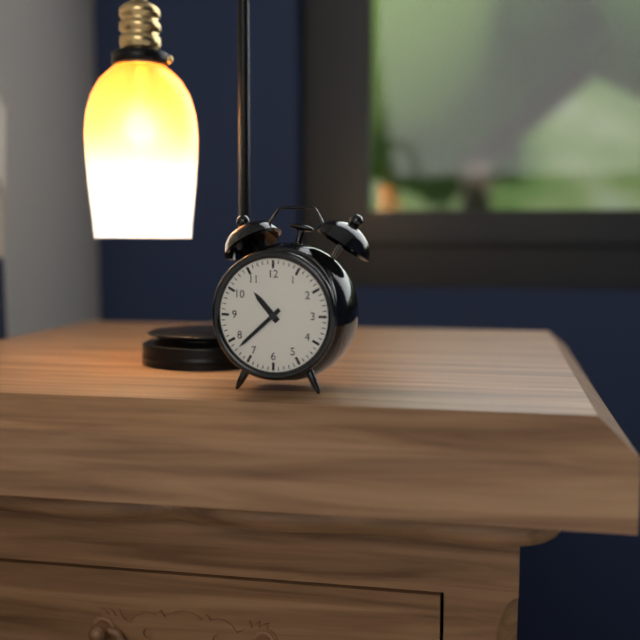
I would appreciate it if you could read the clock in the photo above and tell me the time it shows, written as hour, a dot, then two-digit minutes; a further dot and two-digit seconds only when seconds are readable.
10.38
